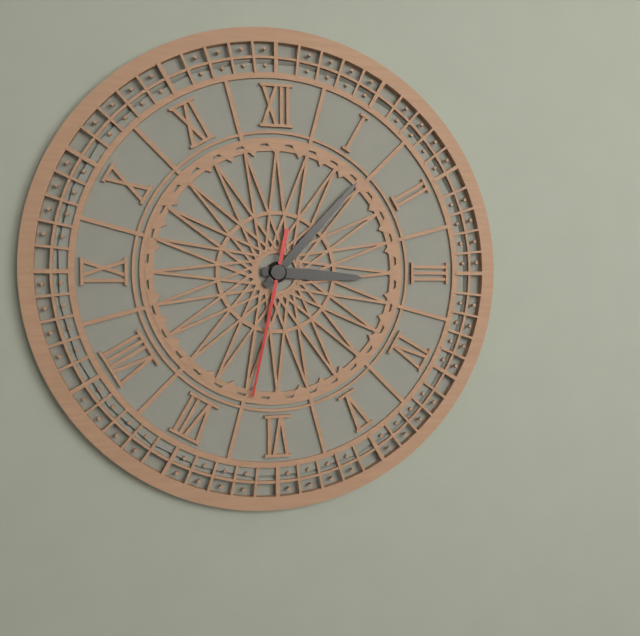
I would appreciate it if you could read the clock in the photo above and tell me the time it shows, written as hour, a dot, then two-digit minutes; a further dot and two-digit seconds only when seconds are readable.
3.07.32
